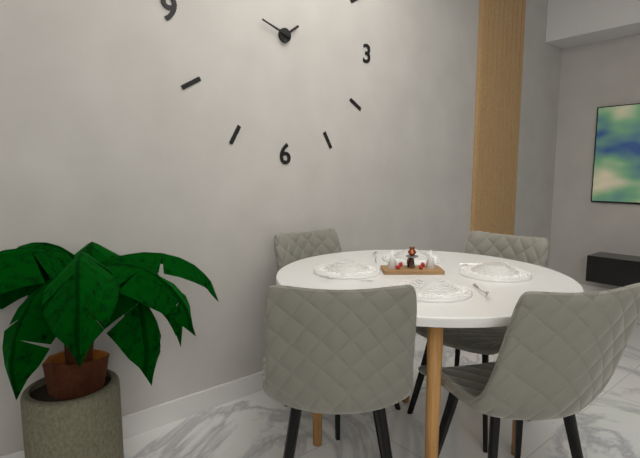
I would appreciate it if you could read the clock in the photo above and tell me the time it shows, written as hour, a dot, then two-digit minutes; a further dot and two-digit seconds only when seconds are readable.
1.48
